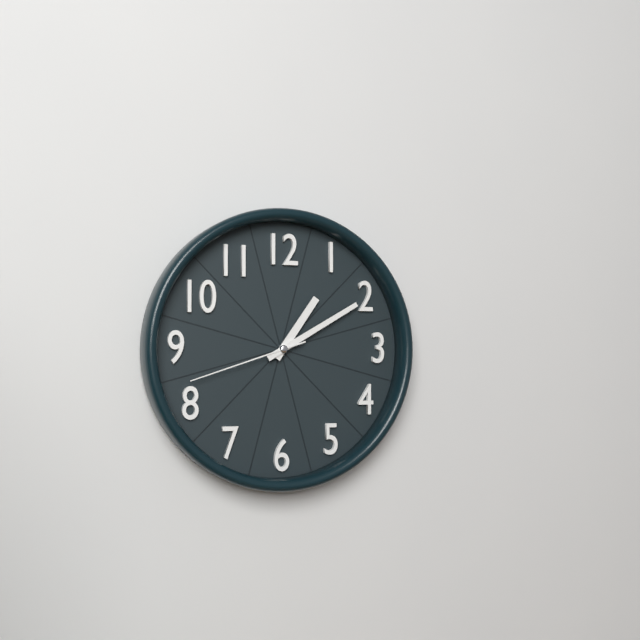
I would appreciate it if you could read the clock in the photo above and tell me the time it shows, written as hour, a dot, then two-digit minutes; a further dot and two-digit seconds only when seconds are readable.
1.10.42
